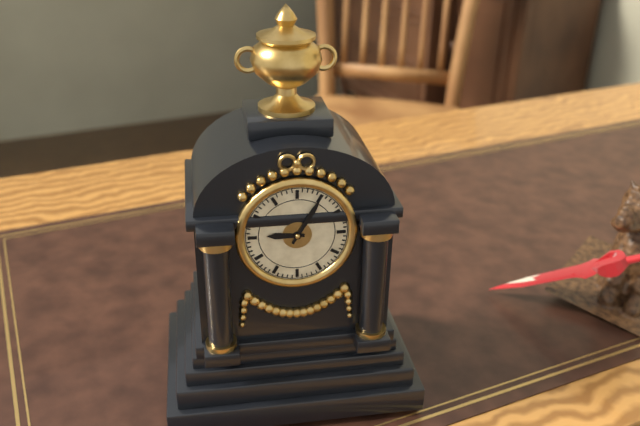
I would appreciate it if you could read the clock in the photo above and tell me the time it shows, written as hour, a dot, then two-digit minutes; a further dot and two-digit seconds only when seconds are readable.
9.05
